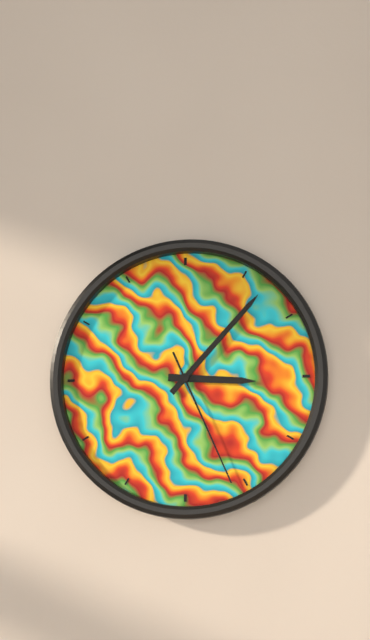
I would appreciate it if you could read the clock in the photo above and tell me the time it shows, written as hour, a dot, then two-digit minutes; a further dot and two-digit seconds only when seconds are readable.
3.07.26
